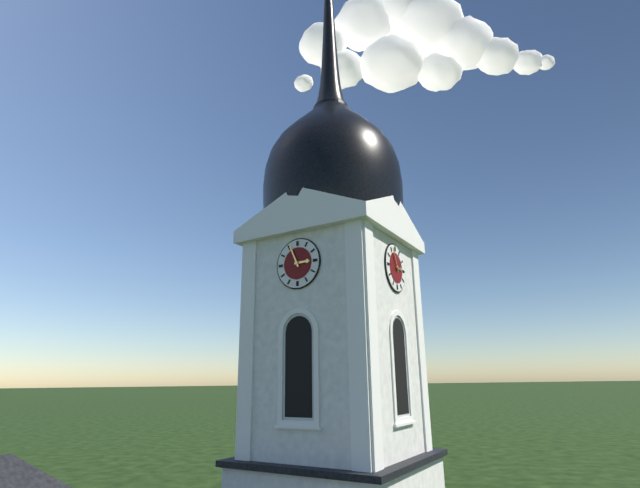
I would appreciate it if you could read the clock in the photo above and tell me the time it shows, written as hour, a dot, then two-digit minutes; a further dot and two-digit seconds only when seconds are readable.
2.56
